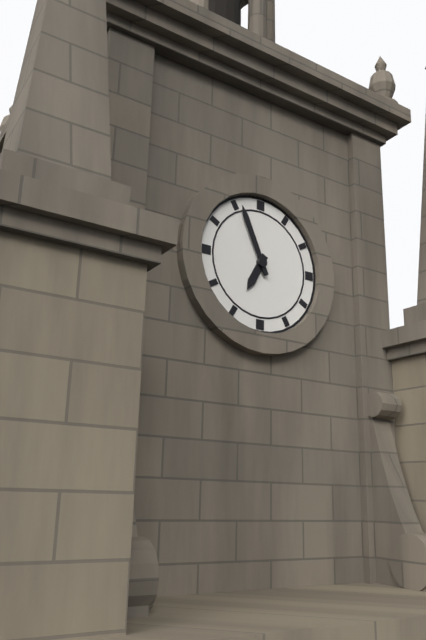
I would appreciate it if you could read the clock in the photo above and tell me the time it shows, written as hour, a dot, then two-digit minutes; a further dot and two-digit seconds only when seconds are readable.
6.56
